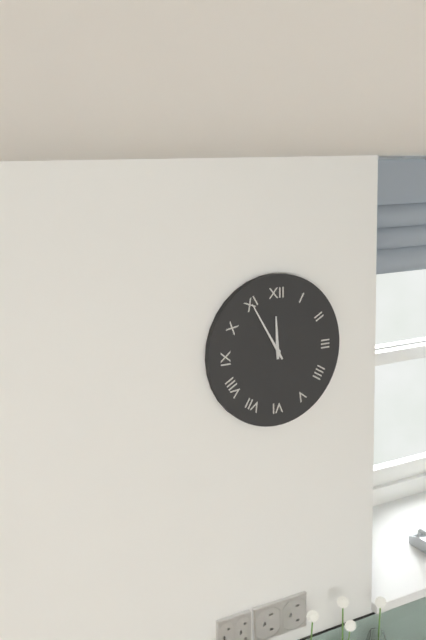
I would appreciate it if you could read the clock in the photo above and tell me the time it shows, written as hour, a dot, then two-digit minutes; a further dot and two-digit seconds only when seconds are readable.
11.55
